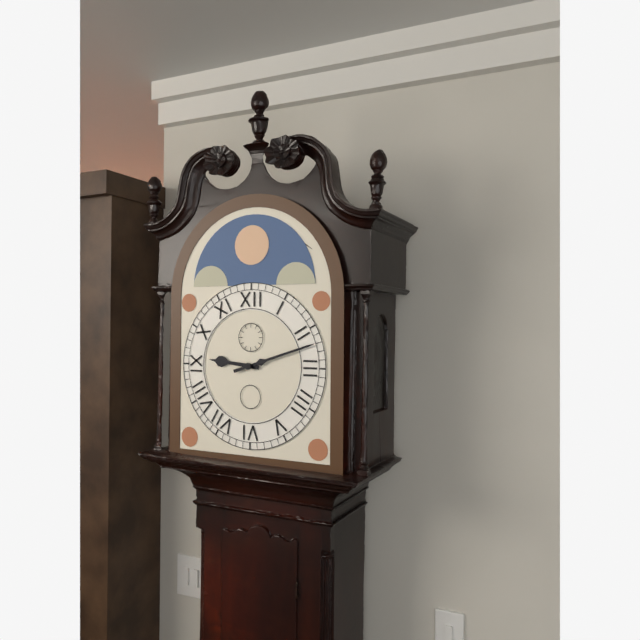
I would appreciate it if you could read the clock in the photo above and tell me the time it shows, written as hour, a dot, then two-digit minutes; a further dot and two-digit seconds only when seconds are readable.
9.12
